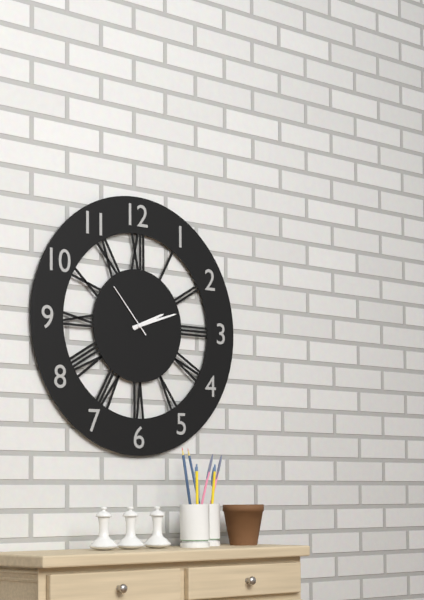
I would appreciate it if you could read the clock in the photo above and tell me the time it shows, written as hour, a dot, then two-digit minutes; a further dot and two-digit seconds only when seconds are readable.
2.12.53
